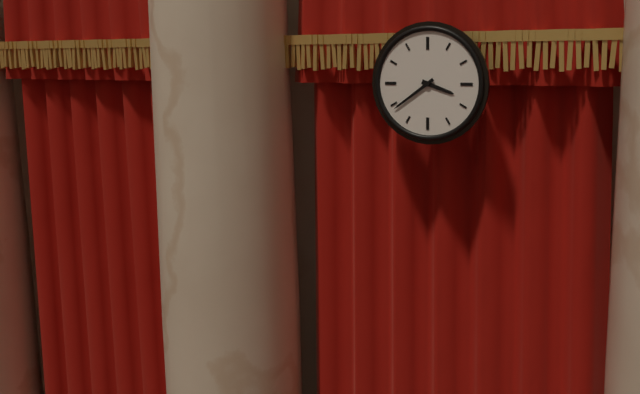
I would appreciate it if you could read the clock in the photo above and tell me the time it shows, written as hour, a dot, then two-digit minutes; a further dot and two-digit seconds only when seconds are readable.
3.39
